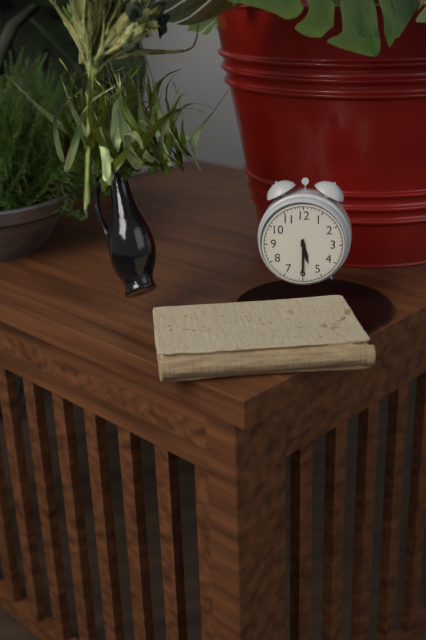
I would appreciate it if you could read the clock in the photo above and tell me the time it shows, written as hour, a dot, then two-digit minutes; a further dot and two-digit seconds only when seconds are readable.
5.30
